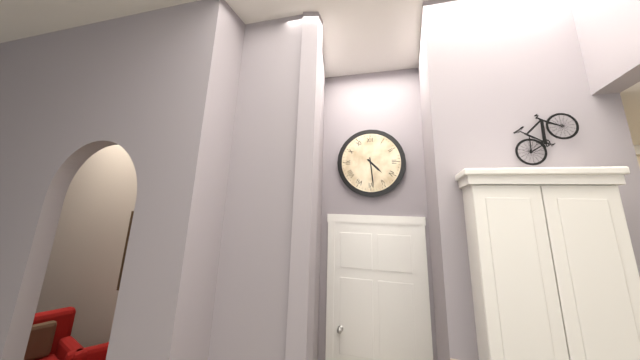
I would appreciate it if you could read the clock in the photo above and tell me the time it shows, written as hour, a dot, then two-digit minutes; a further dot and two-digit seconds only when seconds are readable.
4.29
